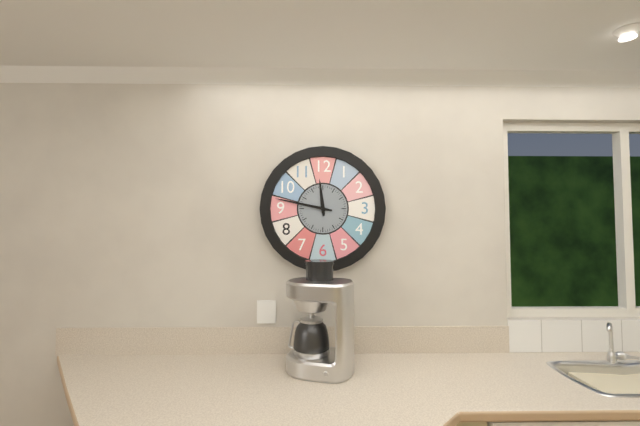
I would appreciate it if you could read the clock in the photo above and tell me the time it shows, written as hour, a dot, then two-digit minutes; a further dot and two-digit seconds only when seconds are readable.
11.47
